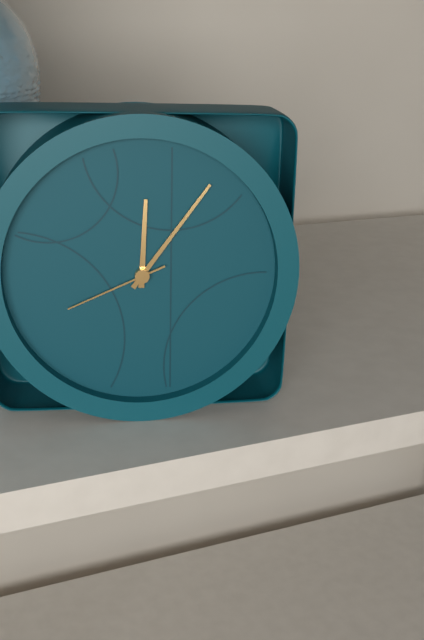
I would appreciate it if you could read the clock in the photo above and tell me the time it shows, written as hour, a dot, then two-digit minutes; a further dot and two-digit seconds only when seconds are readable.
12.06.41
